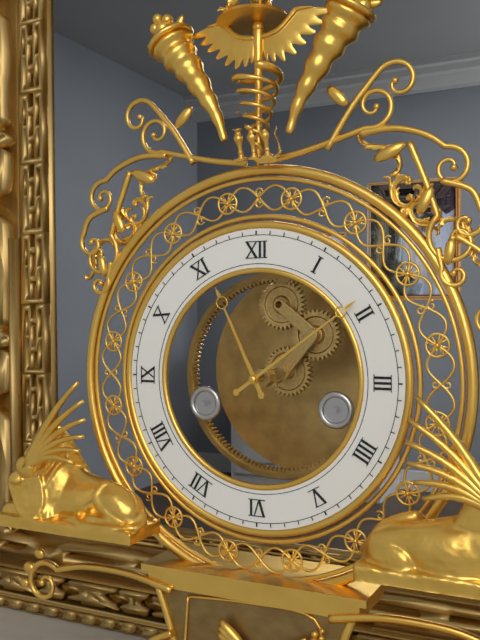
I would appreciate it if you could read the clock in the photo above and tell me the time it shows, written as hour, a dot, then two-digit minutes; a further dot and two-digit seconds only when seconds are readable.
11.09
